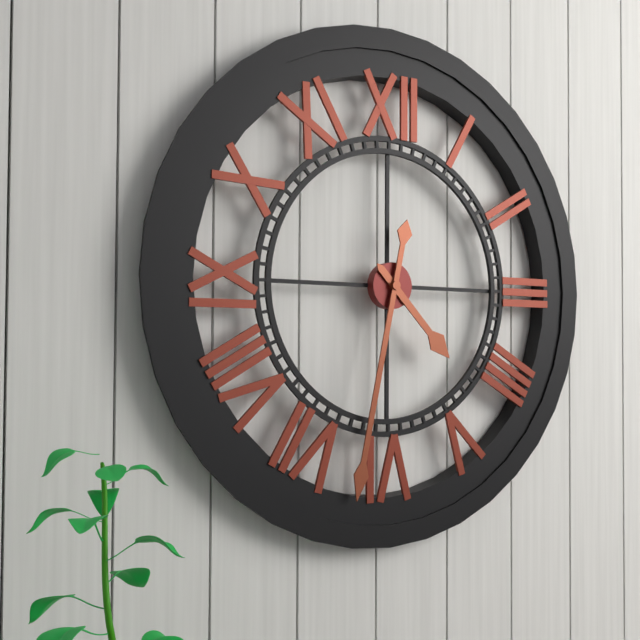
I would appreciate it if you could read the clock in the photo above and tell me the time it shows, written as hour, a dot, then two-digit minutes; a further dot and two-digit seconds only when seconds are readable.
4.32
